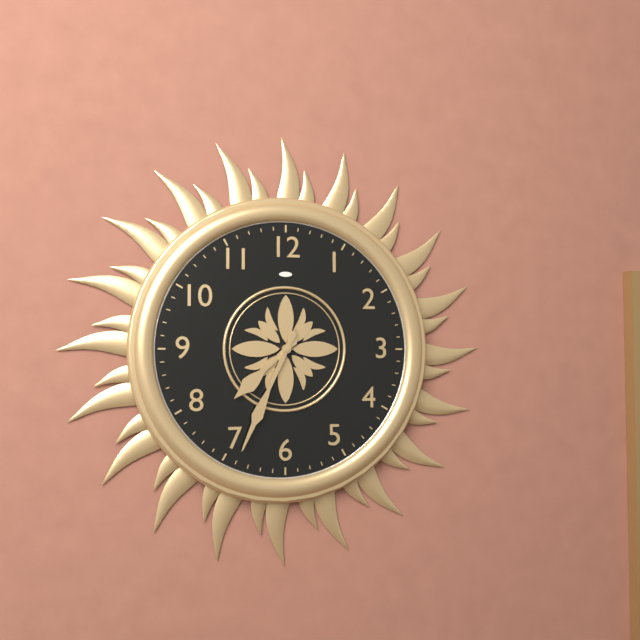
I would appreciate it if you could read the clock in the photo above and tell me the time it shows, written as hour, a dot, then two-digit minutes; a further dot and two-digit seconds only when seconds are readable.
7.34
